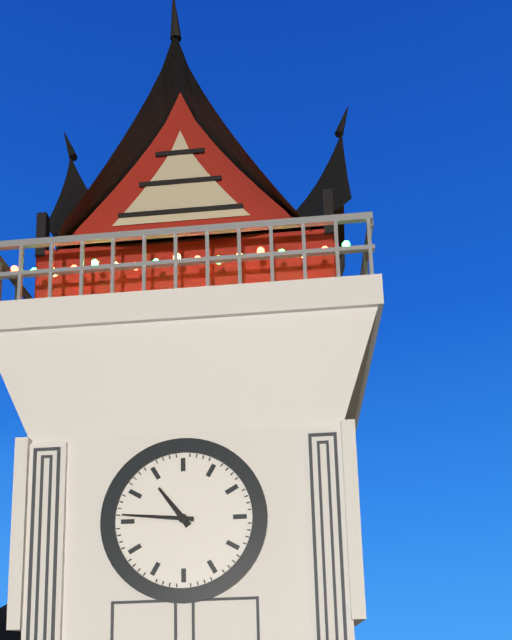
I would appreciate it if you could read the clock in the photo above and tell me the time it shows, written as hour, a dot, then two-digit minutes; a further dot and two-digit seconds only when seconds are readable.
10.46
